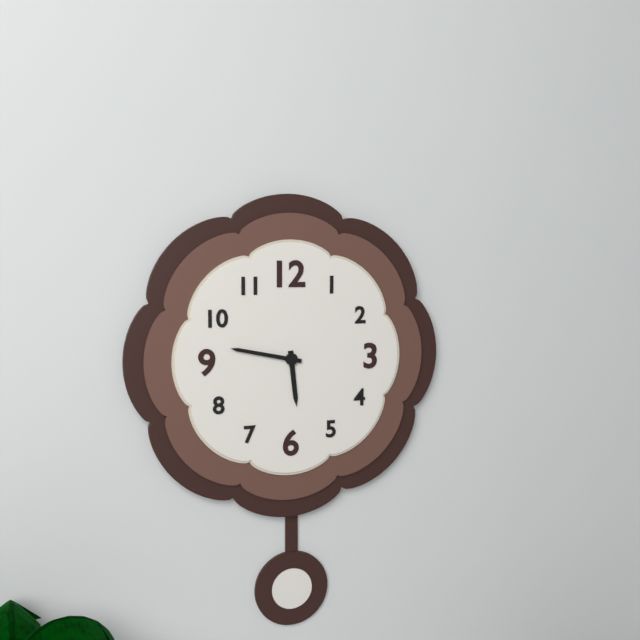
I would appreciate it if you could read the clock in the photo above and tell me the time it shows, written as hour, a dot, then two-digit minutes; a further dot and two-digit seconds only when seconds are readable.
5.47
